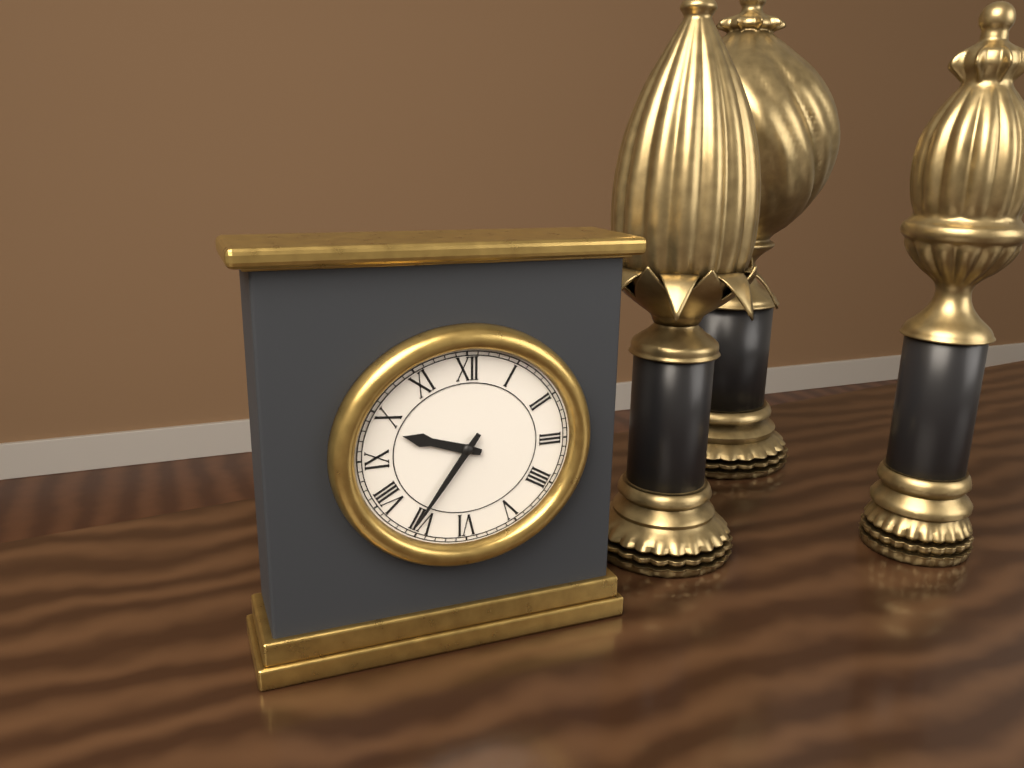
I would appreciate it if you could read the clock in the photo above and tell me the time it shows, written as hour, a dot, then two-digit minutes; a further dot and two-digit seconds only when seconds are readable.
9.36
